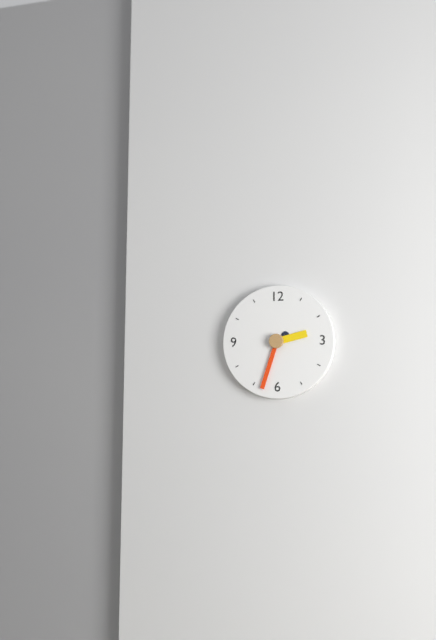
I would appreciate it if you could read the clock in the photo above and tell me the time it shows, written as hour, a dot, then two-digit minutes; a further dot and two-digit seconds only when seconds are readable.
2.33
